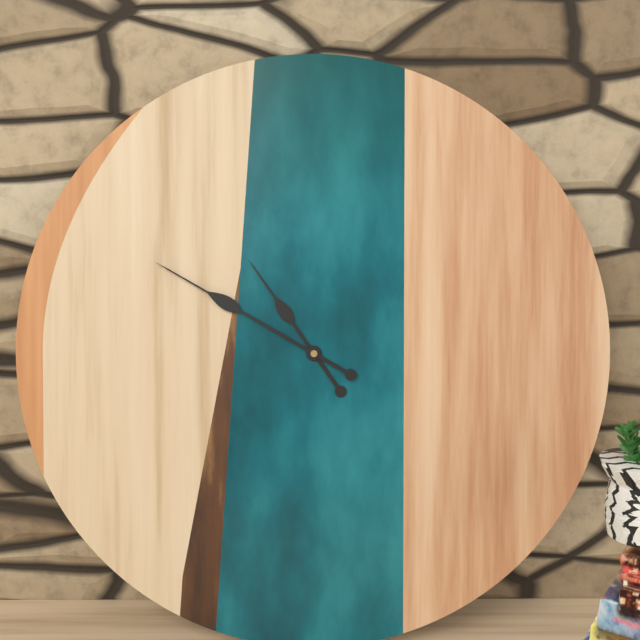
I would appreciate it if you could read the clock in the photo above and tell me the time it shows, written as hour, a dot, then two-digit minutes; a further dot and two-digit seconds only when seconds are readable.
10.50
